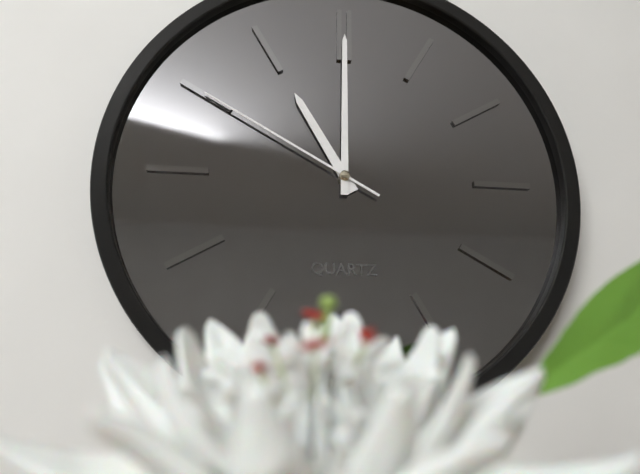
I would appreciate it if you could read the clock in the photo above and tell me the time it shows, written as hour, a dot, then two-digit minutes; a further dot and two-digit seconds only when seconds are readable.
11.00.50
